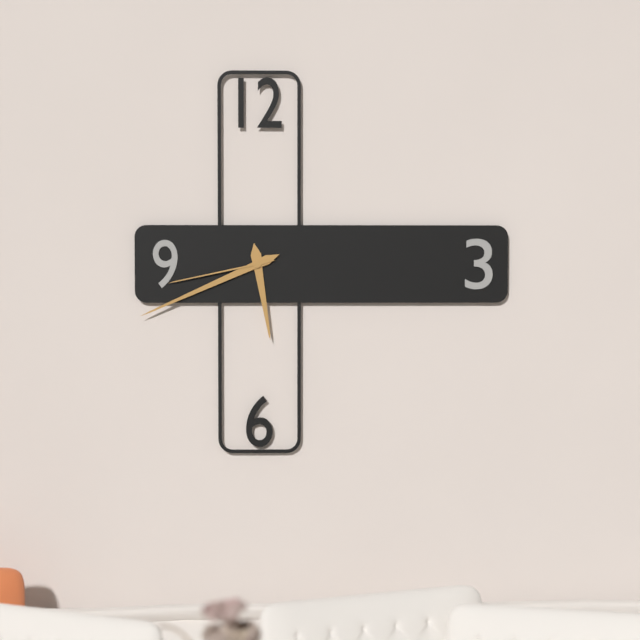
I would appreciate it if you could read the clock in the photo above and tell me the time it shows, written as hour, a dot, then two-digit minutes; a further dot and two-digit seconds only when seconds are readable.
5.41.43
